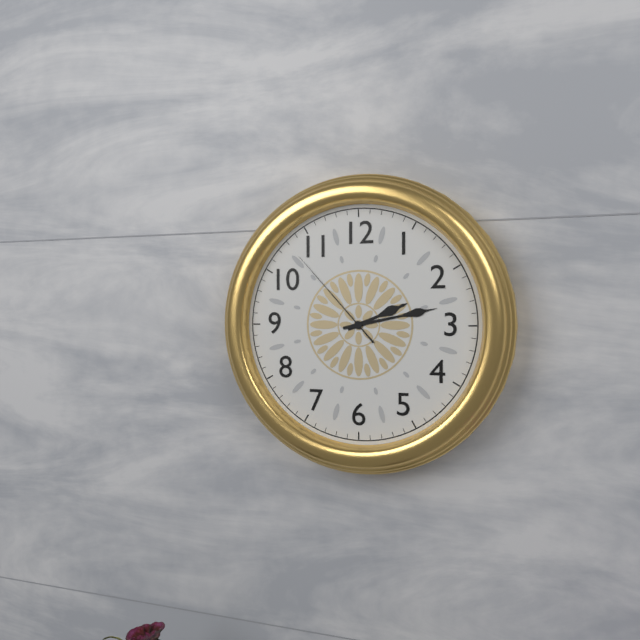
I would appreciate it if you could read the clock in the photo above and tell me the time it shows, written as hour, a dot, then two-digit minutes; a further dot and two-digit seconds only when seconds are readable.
2.13.53
